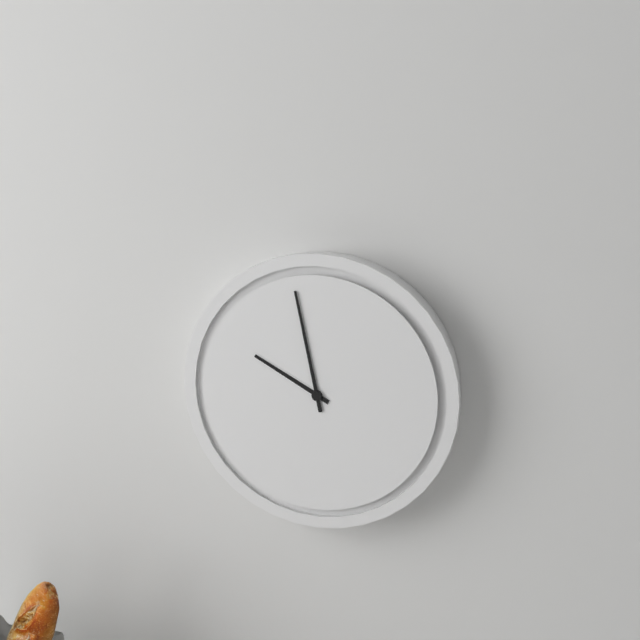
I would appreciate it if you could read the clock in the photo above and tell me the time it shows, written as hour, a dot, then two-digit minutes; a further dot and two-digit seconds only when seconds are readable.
9.58
